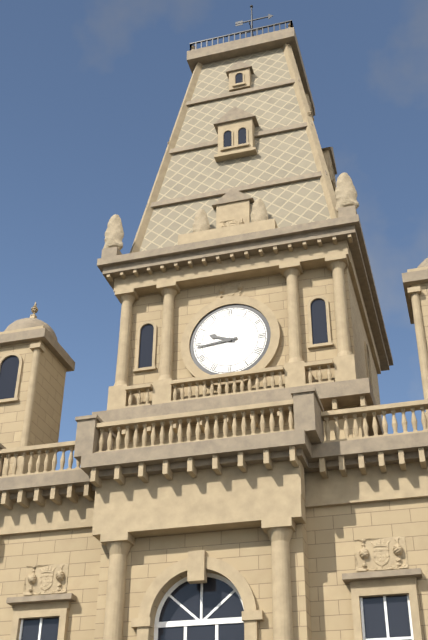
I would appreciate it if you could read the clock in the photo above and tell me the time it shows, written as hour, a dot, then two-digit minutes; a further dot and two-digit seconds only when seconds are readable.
9.44
